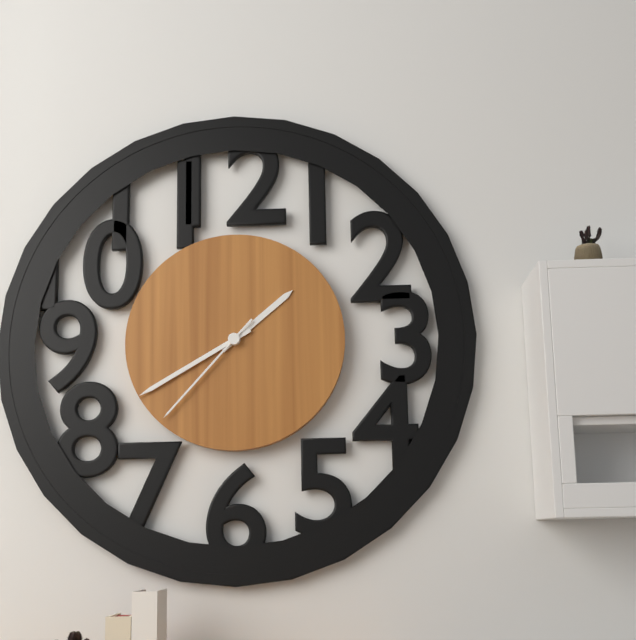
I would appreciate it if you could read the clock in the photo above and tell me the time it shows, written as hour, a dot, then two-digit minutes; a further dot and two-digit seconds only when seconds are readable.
1.40.37
